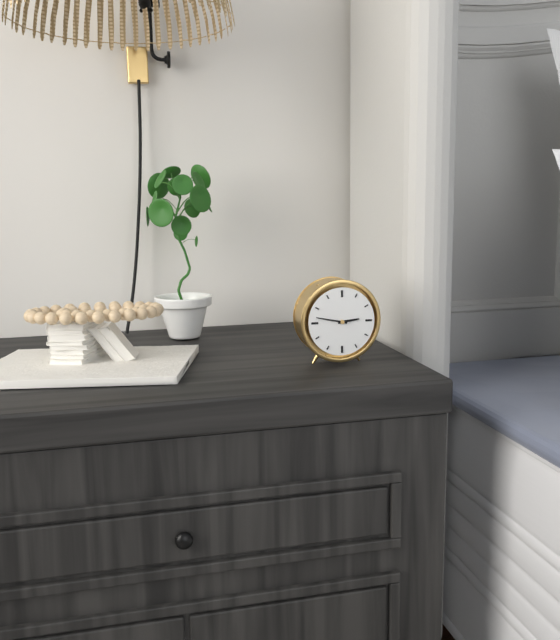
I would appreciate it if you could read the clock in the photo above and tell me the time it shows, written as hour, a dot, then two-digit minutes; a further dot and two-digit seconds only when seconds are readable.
2.47
